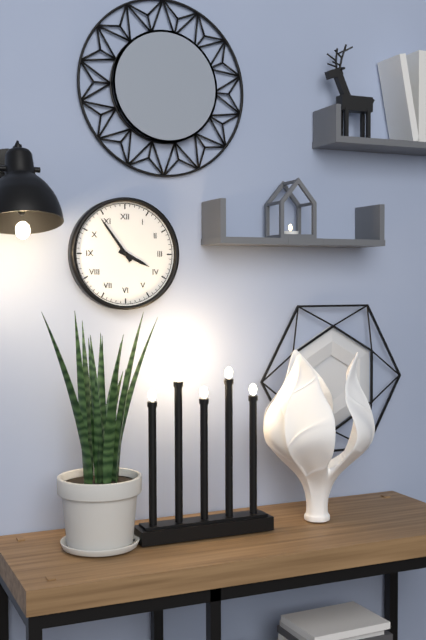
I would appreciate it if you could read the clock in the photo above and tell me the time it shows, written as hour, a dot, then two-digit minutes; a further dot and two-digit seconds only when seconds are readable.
3.54
